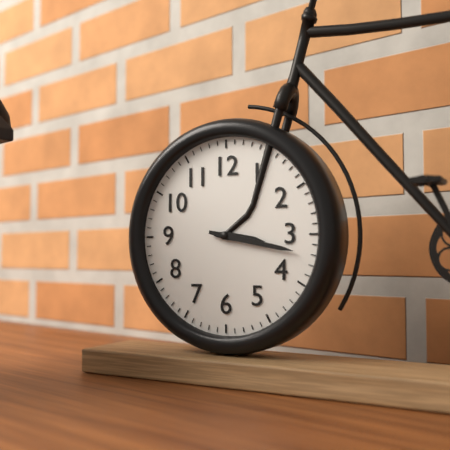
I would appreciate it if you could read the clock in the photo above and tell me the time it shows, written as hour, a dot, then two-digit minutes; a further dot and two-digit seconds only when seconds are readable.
3.17
